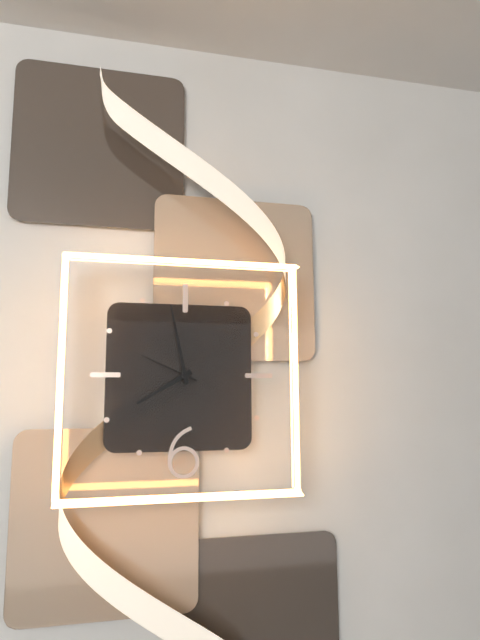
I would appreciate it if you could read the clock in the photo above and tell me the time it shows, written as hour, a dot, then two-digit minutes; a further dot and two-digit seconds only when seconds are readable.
7.58.49
